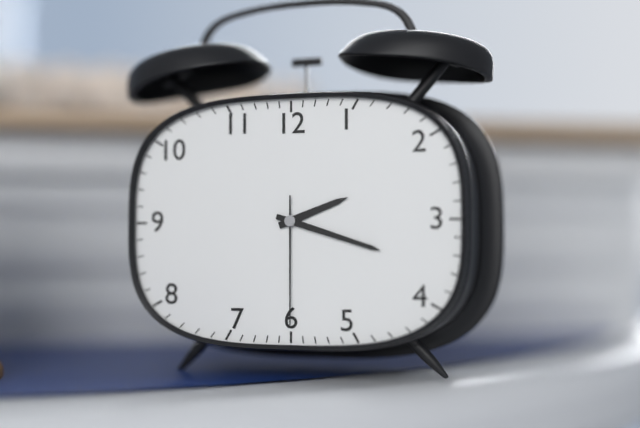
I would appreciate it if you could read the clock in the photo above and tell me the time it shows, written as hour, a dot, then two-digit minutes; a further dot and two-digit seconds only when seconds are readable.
2.18.30
